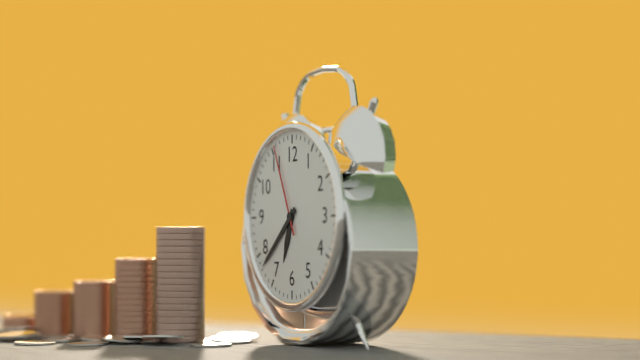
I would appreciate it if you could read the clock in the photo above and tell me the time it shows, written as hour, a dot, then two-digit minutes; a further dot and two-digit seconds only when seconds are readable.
6.38.56
